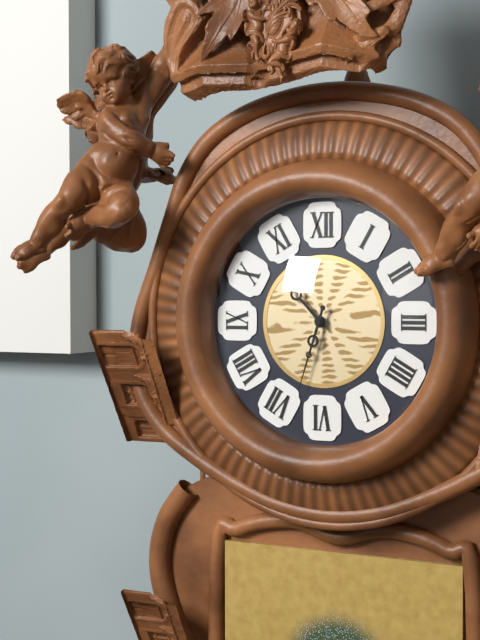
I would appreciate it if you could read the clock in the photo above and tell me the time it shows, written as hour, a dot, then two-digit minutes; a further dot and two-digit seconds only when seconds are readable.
10.33
